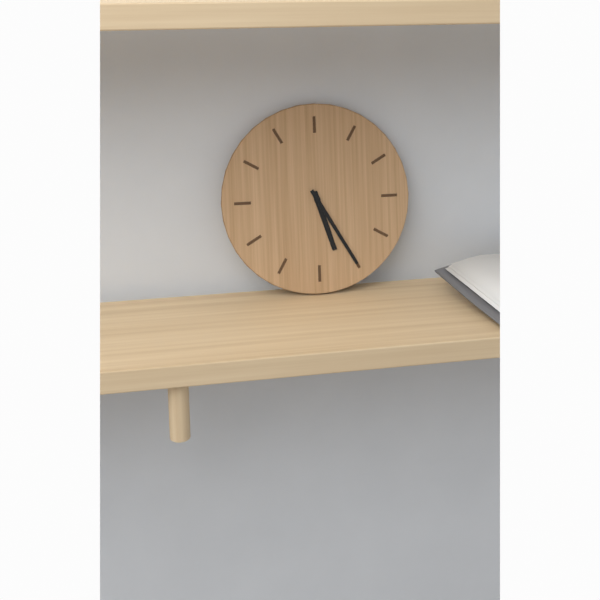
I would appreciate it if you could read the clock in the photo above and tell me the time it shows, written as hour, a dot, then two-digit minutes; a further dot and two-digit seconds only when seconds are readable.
5.25
